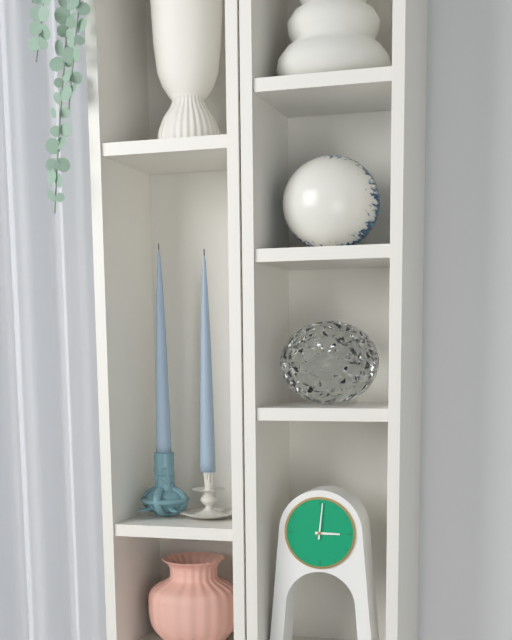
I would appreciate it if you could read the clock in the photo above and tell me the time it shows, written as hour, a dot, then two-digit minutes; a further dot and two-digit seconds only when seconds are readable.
3.01
